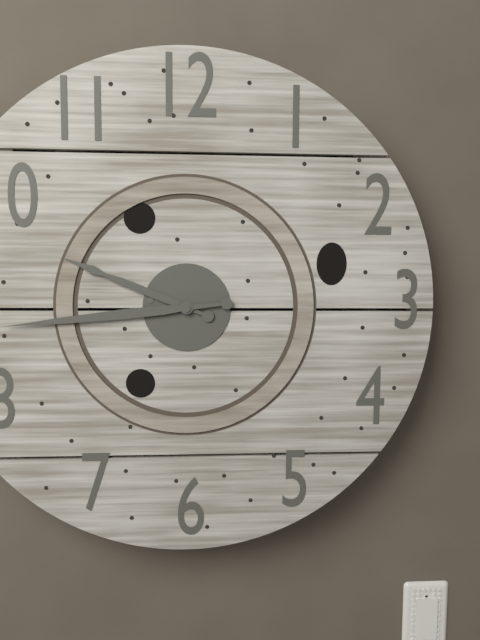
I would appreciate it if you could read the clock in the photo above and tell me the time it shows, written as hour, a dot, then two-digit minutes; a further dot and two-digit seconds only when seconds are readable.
9.44
